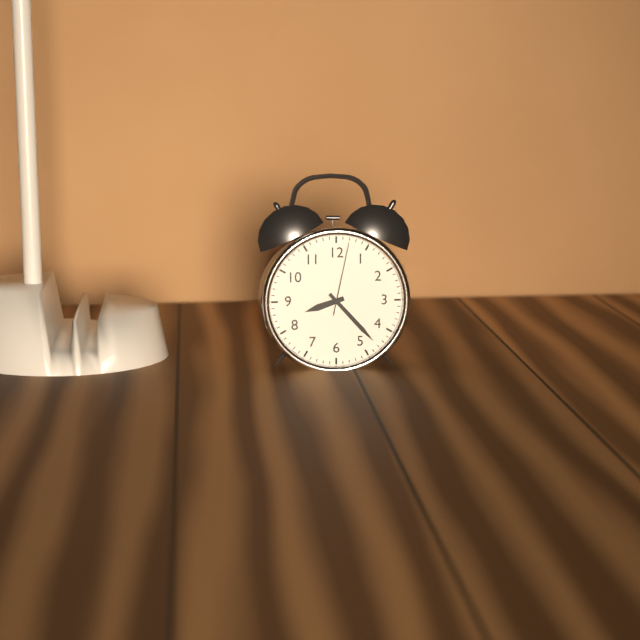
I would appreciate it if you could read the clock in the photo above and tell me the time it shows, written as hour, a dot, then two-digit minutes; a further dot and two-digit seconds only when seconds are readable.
8.23.02
